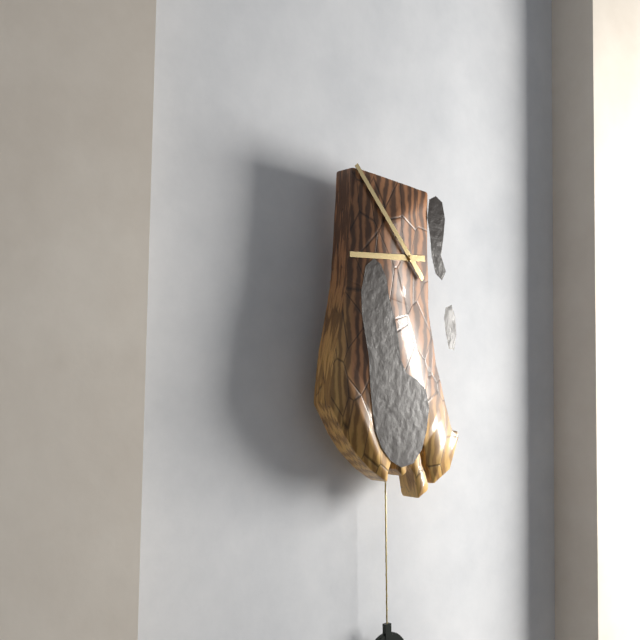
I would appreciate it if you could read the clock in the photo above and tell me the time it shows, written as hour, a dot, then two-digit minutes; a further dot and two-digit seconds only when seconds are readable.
8.53
